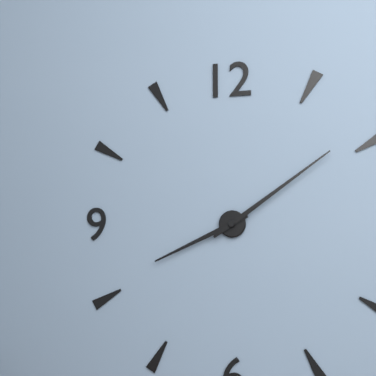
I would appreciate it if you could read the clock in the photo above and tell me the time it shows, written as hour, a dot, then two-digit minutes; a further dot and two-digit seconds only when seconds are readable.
8.09
